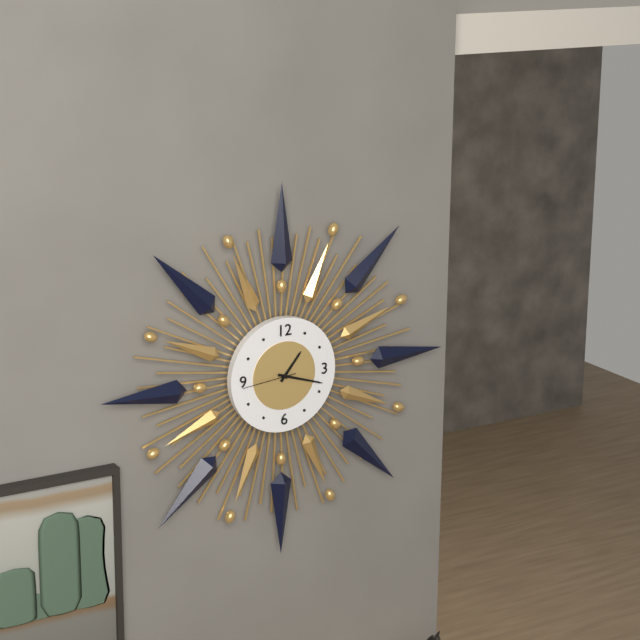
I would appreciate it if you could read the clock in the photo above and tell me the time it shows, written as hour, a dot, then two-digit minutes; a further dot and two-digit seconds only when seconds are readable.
1.18
